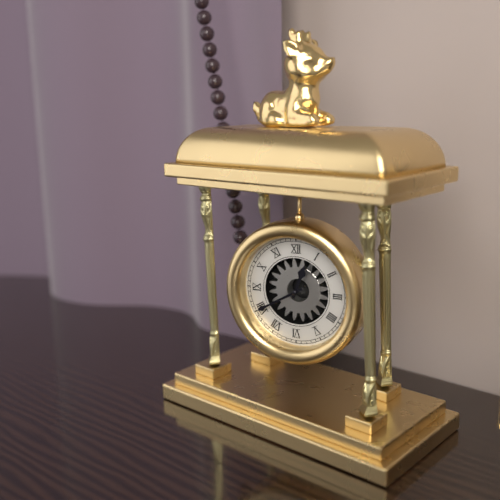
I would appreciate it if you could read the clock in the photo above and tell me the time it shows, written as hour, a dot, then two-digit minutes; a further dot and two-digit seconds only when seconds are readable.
12.40
